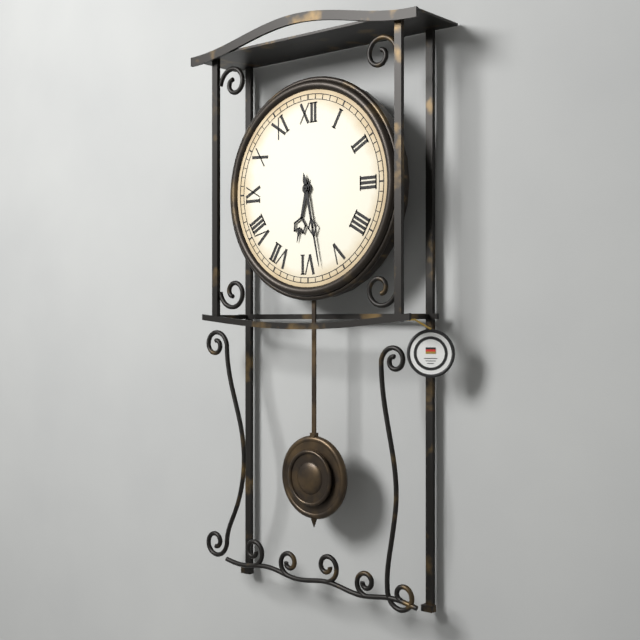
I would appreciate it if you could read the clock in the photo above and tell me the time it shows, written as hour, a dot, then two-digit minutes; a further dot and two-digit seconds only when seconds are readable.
6.28
